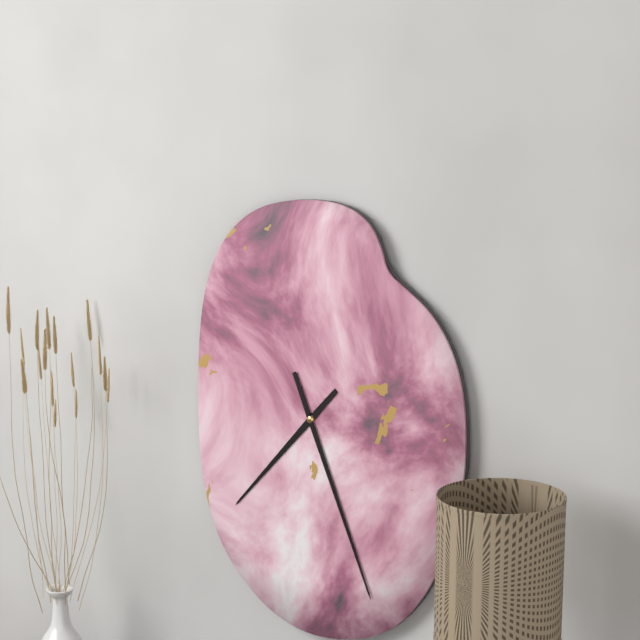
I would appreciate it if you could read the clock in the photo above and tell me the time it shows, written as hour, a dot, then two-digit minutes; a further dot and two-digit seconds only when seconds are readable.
7.26
